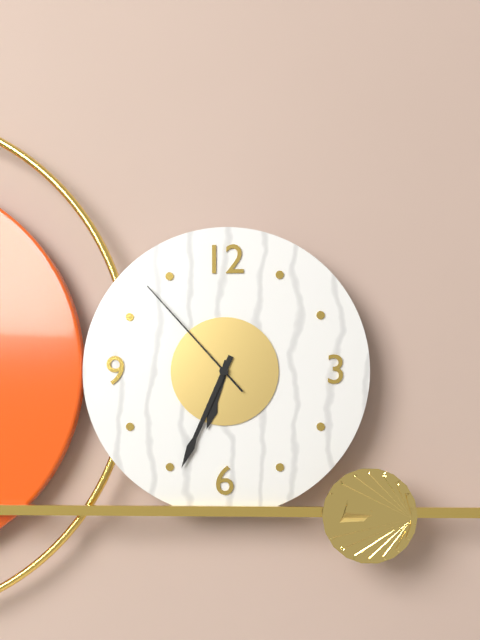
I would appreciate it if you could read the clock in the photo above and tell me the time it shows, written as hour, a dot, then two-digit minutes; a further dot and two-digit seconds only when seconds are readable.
6.34.53
